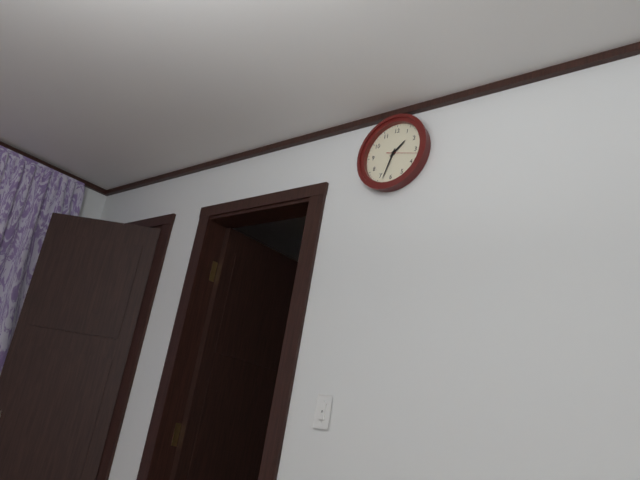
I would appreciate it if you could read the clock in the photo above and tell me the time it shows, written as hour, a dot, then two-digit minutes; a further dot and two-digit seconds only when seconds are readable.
1.33
